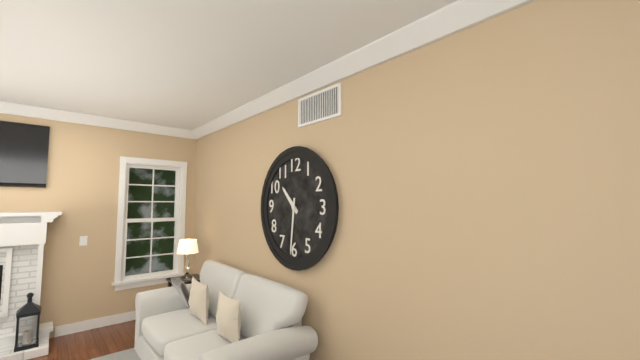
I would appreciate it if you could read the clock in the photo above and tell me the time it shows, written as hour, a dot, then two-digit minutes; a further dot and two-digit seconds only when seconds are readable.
10.31
